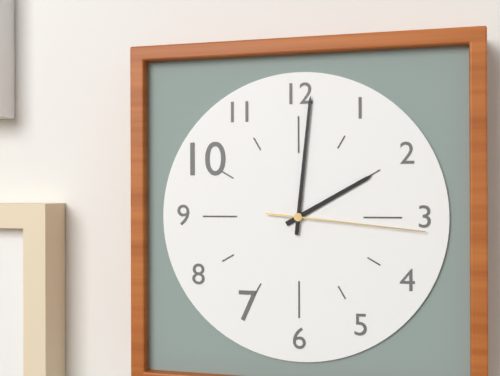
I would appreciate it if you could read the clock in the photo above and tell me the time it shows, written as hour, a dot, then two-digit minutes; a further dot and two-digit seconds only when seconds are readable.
2.01.16
